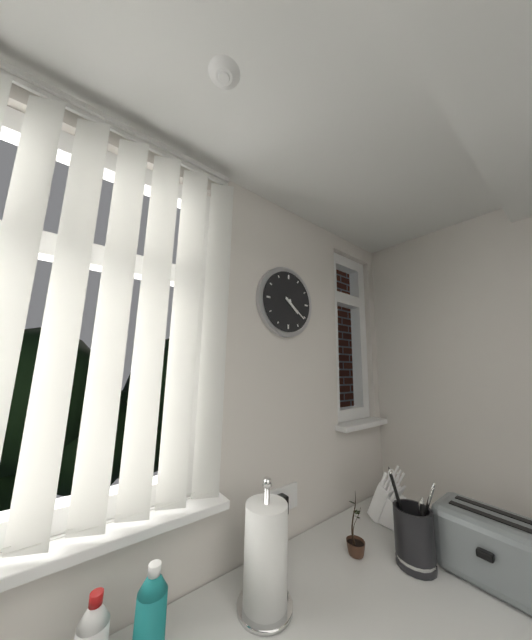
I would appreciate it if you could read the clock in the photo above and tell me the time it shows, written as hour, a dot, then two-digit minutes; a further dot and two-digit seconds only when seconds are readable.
4.21
